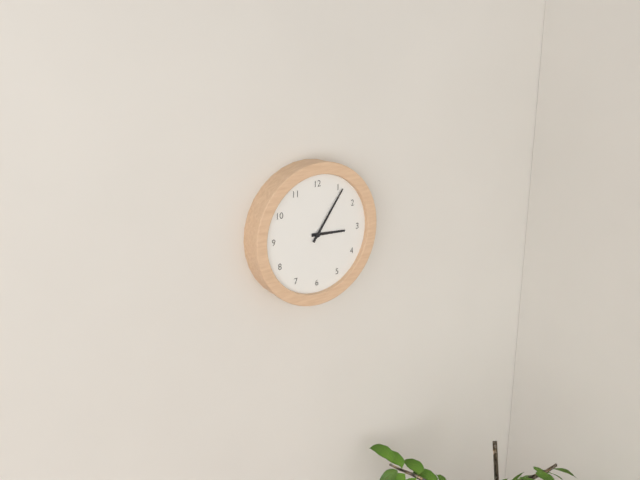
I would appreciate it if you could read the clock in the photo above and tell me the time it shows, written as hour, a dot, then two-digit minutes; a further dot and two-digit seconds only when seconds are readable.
3.06
